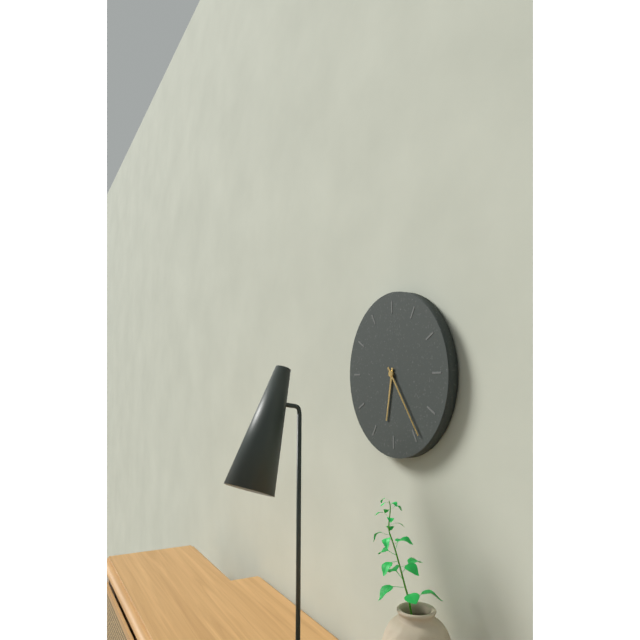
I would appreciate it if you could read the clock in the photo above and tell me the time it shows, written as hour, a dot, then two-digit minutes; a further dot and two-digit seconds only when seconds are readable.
6.24
